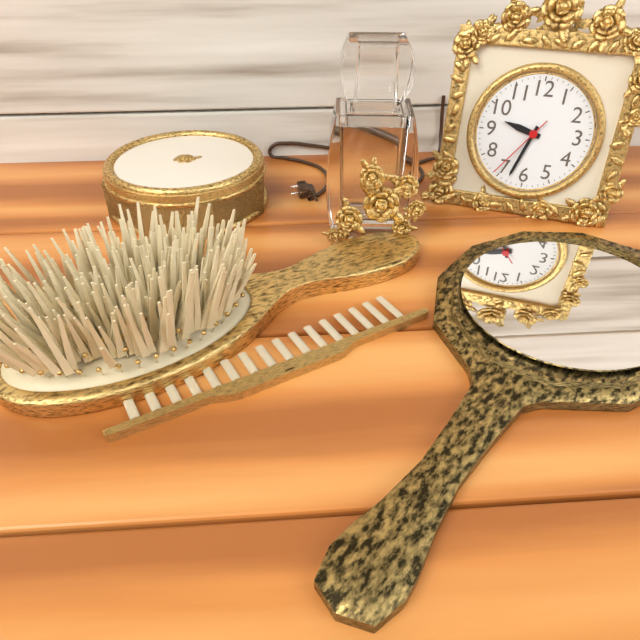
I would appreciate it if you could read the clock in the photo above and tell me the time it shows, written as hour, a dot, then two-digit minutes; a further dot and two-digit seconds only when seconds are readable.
9.33.36
